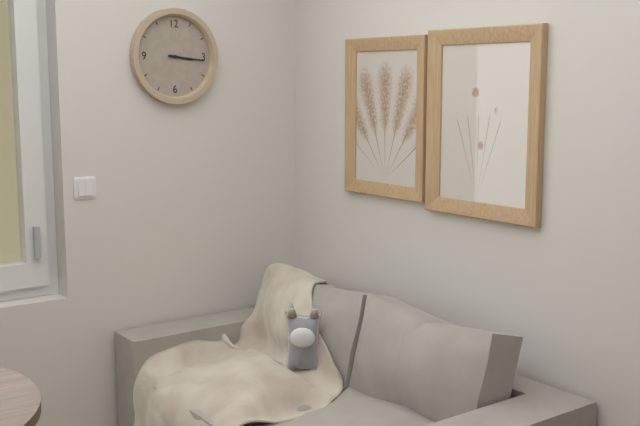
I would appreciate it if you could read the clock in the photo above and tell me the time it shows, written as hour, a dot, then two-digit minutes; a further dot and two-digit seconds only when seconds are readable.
3.16
